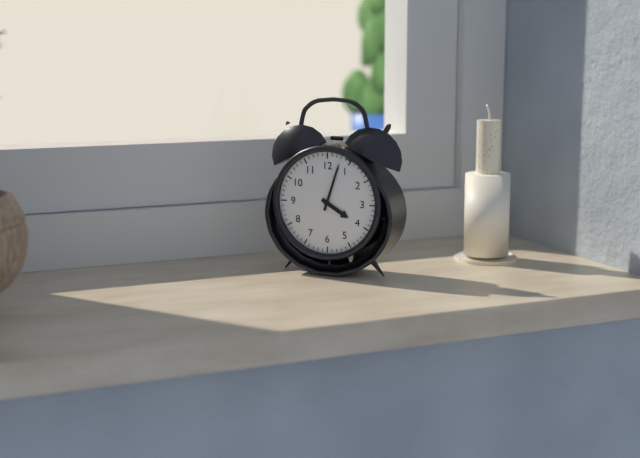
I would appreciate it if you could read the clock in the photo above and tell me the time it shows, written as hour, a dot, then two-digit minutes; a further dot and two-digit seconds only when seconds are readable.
4.03
